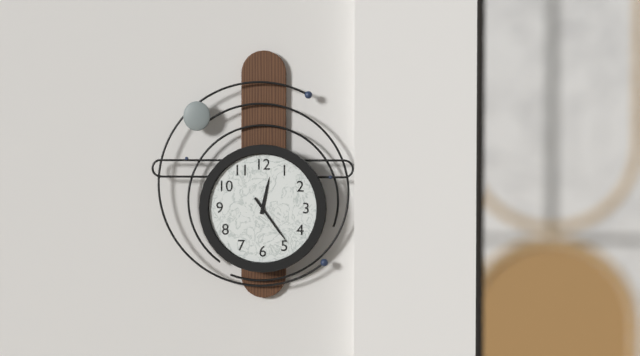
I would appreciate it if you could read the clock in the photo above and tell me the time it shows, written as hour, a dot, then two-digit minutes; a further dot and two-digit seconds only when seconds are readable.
12.24
